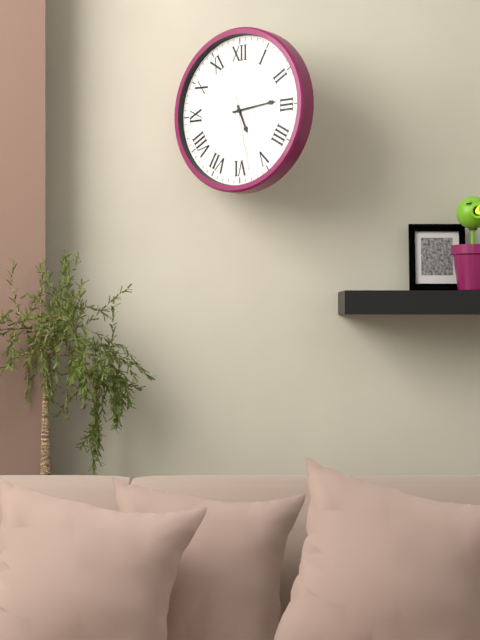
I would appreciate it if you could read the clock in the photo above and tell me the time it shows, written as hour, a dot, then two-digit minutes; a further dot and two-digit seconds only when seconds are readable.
5.14.28
